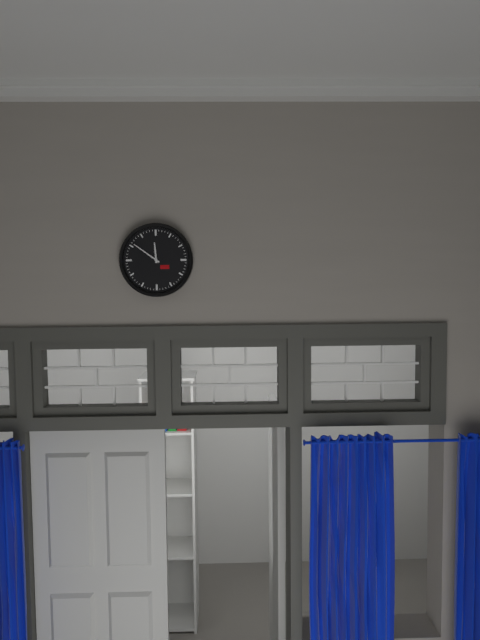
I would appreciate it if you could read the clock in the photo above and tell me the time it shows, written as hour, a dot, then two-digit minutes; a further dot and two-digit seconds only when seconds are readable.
11.51
